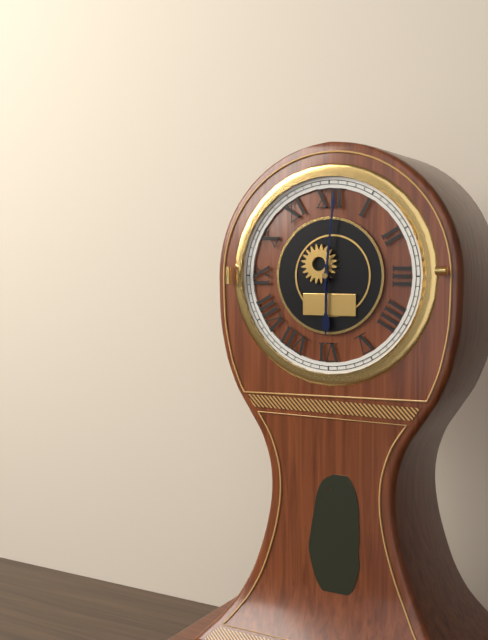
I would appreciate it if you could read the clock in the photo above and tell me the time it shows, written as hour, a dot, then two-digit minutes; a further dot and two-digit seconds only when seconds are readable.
6.01
